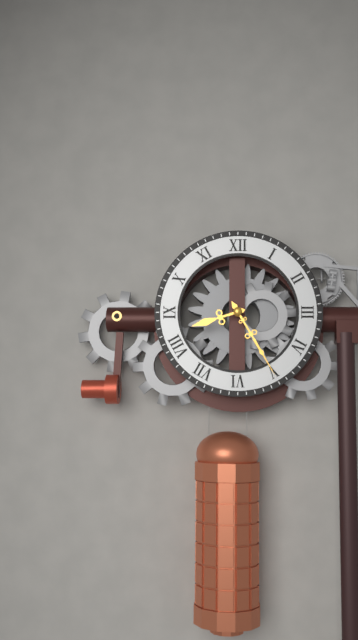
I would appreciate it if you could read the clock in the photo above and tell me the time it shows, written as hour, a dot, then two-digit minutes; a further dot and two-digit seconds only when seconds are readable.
8.25
